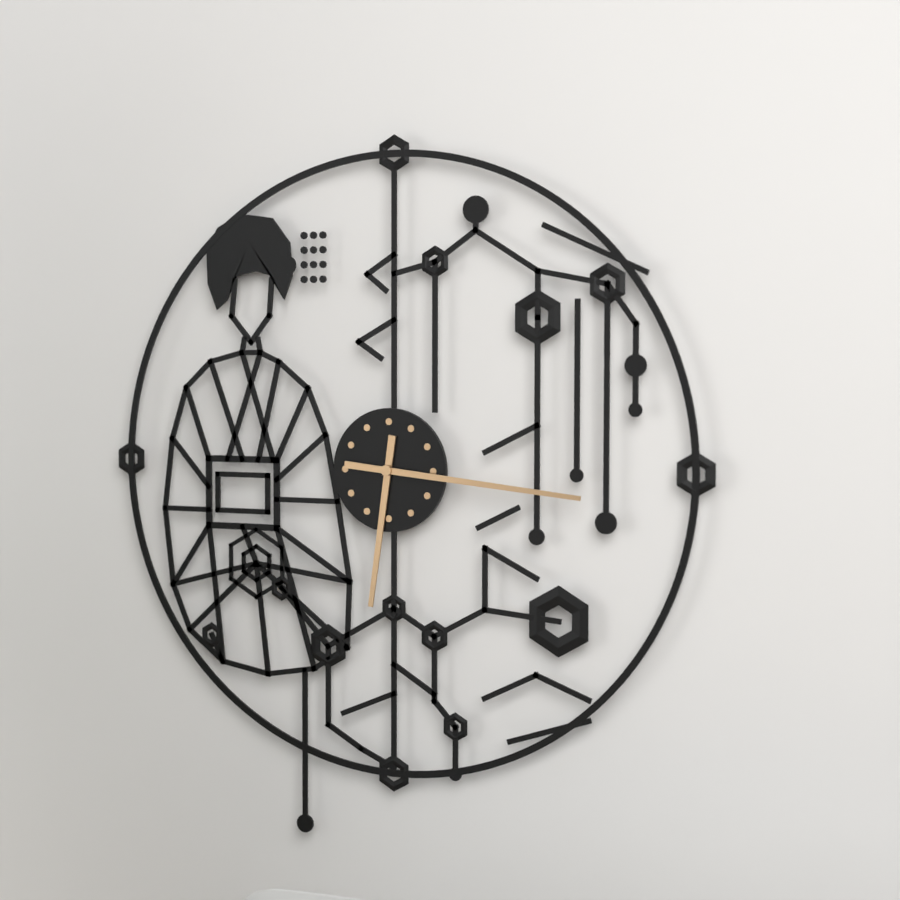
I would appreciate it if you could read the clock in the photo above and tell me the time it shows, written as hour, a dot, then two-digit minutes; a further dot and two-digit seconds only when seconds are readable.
6.16
